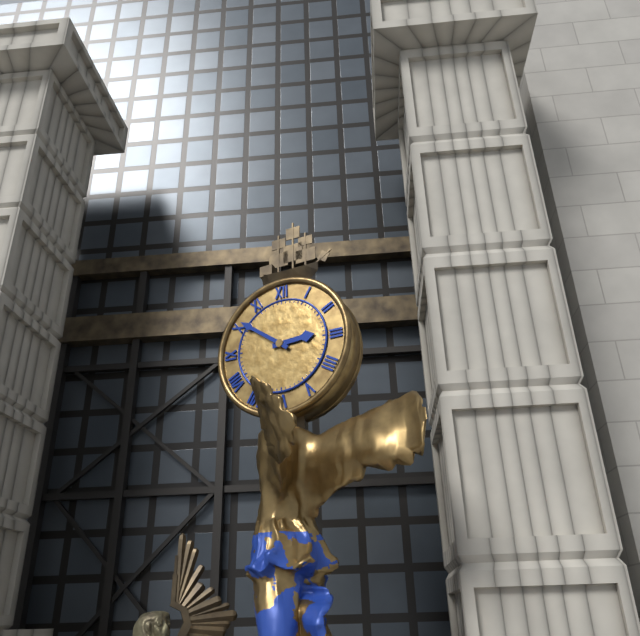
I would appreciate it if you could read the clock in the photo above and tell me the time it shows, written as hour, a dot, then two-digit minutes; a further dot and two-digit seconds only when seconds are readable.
2.51
